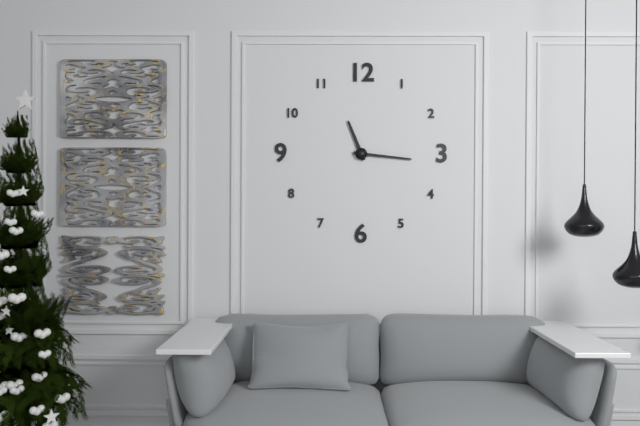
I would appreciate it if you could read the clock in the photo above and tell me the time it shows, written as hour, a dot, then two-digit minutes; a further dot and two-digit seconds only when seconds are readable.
11.16
